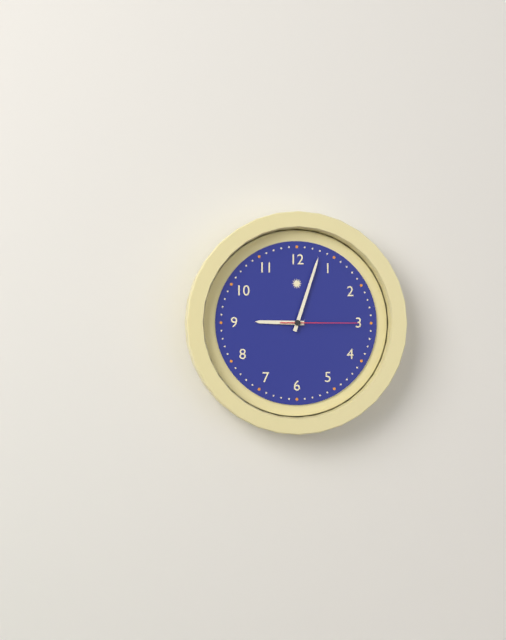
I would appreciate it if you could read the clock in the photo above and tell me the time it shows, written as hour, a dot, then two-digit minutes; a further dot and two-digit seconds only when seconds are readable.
9.03.15
